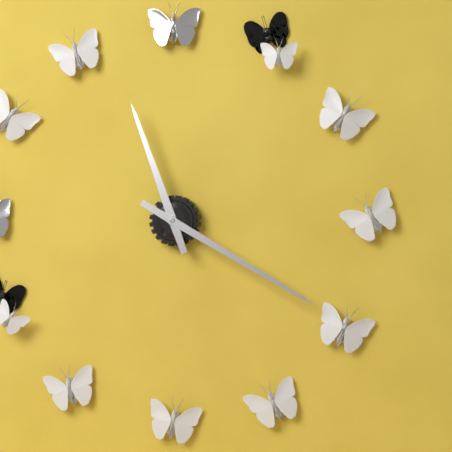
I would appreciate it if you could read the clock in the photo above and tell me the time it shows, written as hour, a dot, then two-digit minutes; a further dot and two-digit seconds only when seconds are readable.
11.20
